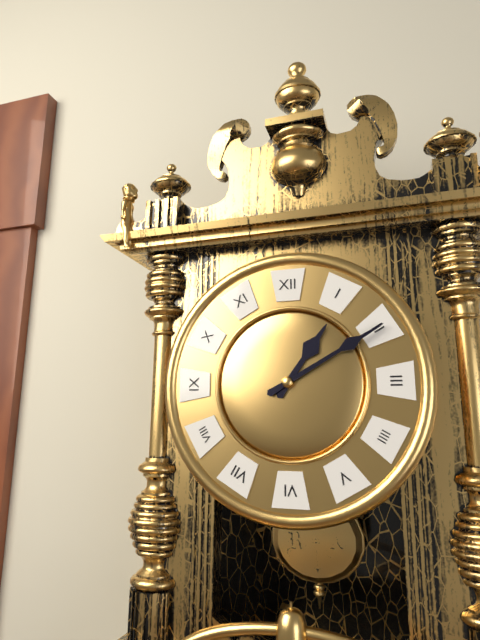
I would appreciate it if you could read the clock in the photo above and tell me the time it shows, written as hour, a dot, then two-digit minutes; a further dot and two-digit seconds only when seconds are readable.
1.10
